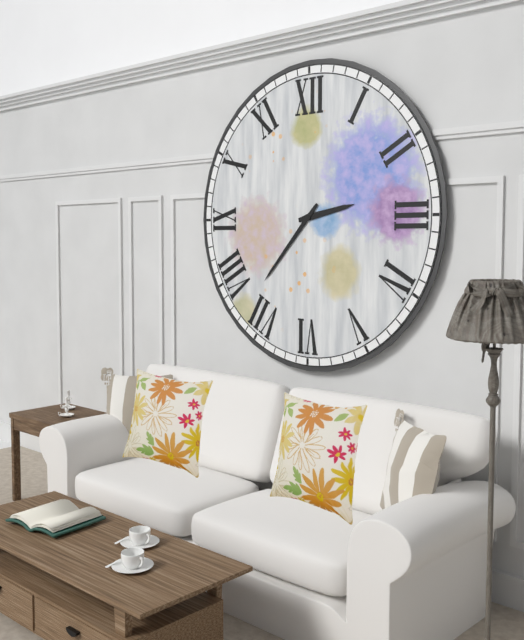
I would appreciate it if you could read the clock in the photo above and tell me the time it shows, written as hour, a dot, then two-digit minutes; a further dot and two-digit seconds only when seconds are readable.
2.37
